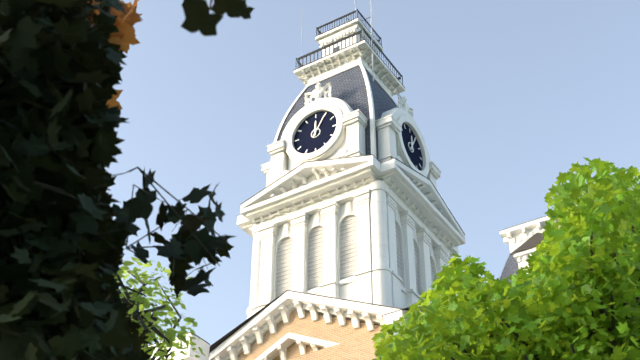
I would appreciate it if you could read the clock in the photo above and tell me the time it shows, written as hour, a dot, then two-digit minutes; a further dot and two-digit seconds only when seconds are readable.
12.05
